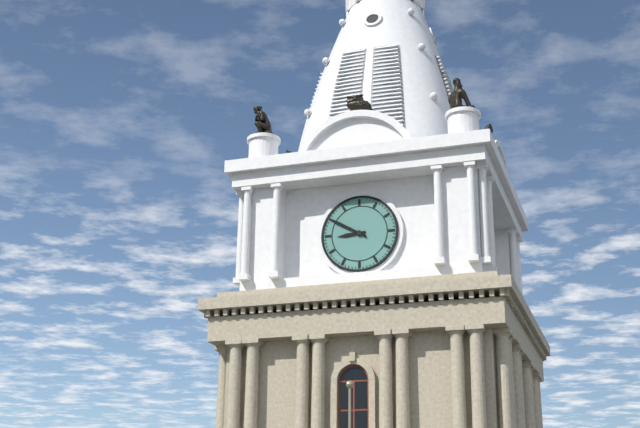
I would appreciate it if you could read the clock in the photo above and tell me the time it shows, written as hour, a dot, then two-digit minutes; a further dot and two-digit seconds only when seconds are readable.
8.50
